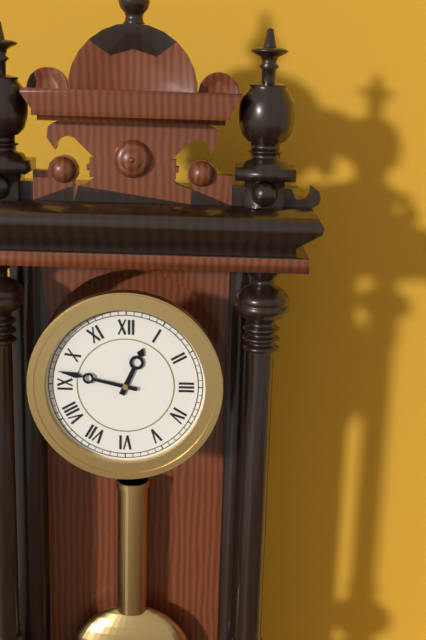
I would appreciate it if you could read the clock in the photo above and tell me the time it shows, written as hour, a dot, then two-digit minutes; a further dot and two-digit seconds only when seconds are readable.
12.47
